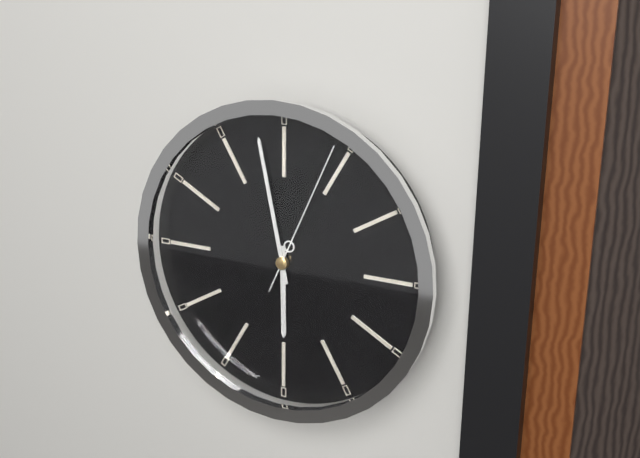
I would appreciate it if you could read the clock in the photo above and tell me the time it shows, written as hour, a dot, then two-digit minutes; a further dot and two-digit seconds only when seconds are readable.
5.58.04
